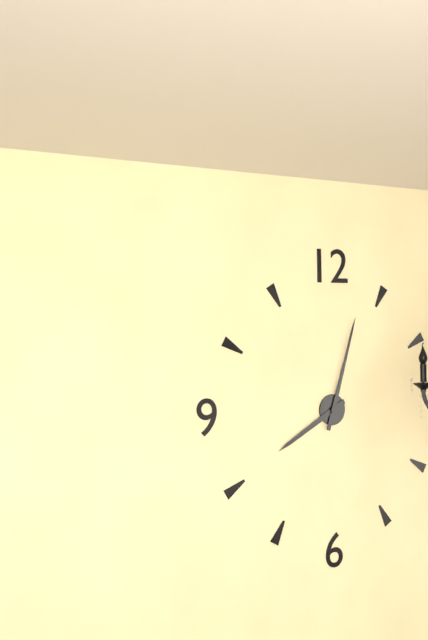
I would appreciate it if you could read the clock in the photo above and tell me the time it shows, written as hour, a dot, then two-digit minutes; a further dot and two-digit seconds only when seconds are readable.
8.03
